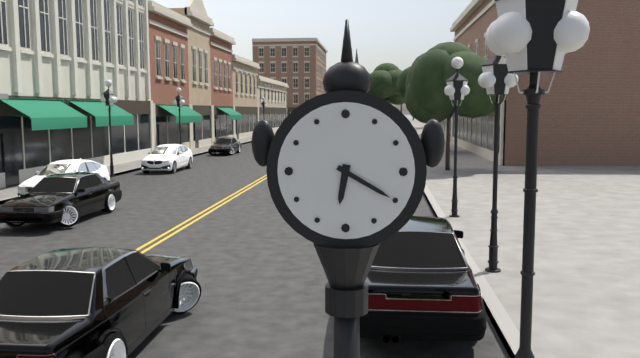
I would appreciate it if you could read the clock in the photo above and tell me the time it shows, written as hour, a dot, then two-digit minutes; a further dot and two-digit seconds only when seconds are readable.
6.20
